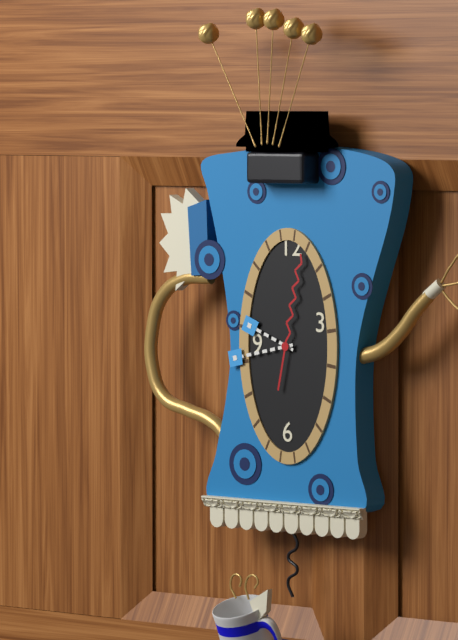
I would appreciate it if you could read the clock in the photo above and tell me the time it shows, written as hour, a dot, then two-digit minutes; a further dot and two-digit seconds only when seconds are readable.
9.43.02
